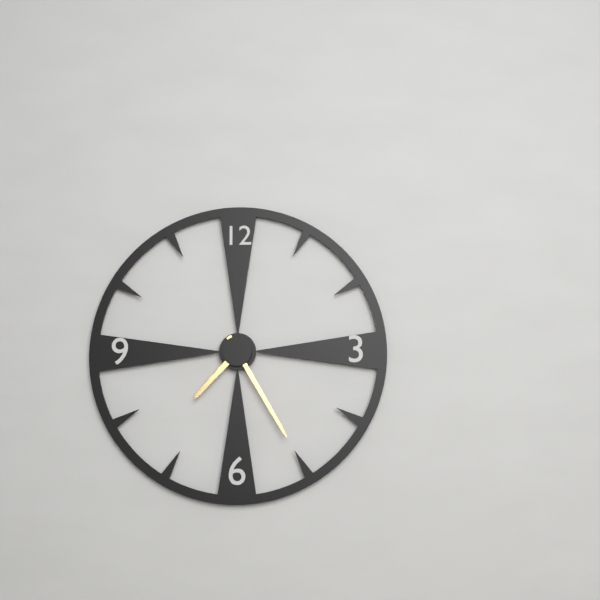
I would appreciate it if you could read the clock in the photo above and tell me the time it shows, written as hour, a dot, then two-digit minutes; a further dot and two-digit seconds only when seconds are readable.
7.25
